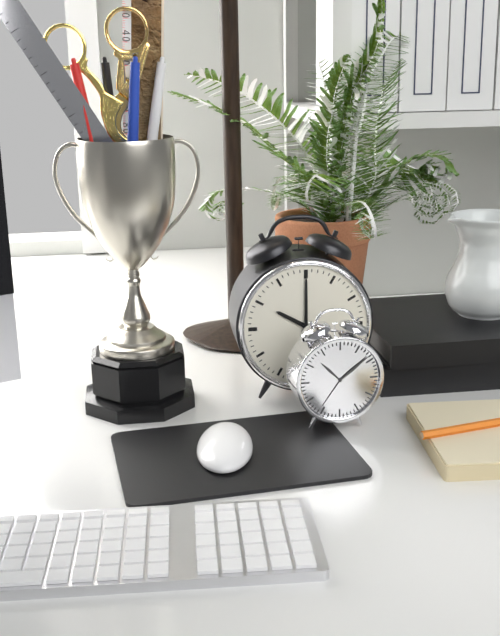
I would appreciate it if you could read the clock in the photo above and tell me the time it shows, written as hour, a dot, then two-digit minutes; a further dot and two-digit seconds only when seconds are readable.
10.00
